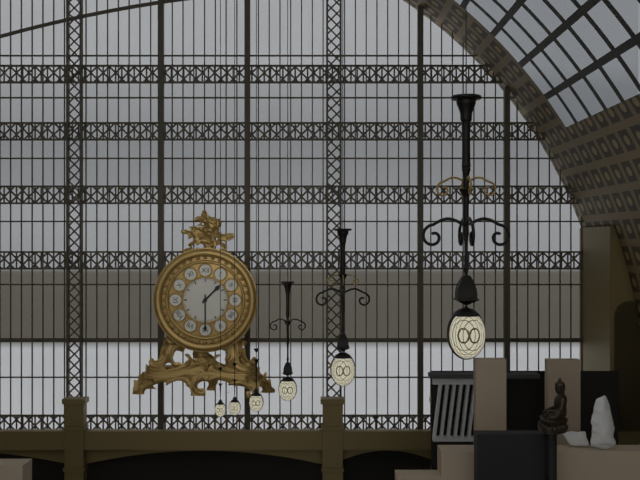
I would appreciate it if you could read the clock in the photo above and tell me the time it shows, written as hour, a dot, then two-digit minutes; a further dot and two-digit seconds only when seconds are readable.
1.30
